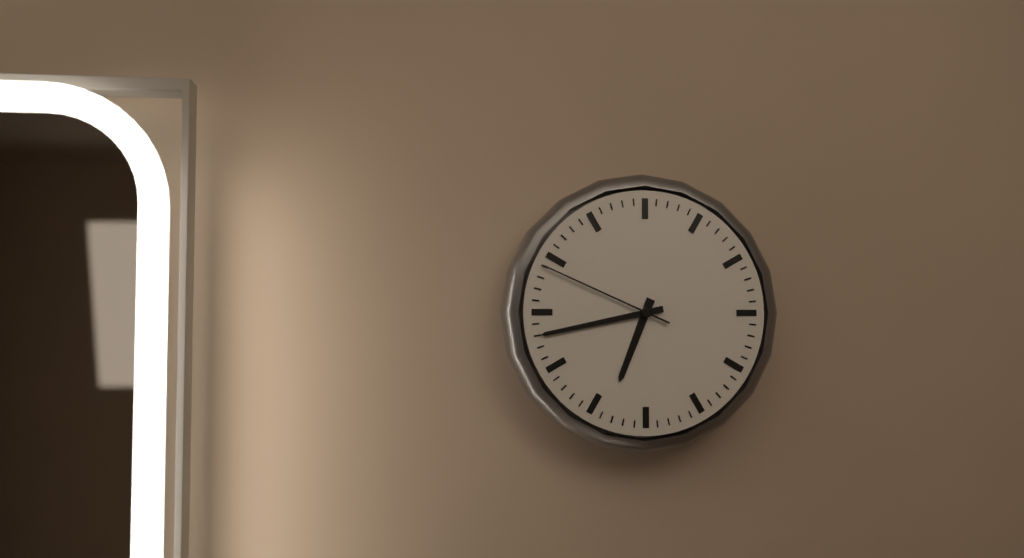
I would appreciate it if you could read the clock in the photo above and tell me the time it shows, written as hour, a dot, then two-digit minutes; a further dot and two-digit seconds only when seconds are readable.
6.43.49
